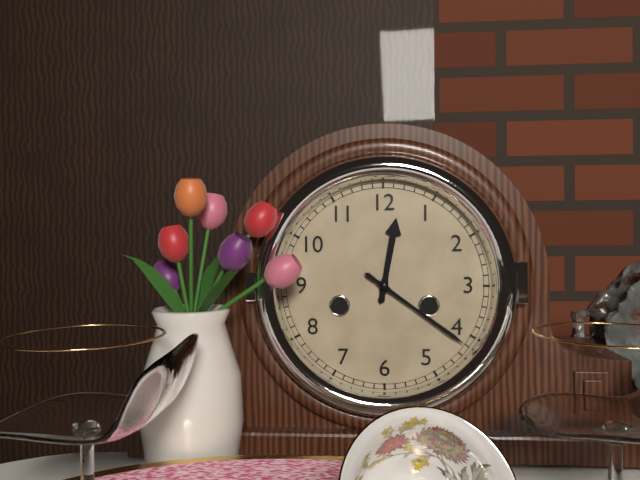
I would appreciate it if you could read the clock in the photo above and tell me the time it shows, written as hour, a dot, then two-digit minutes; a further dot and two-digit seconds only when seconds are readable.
12.21
